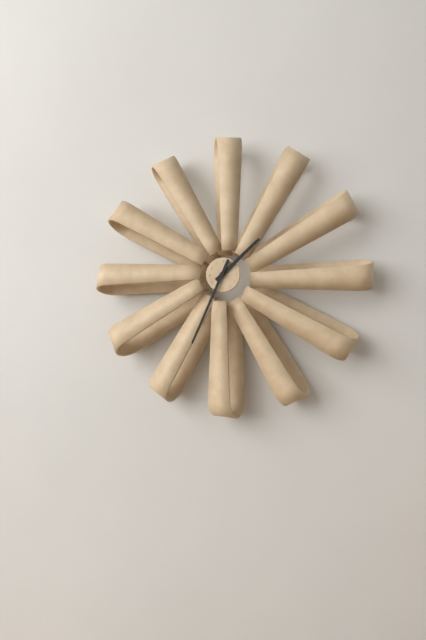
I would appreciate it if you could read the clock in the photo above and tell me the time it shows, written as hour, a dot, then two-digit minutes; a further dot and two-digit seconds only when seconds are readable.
1.34
